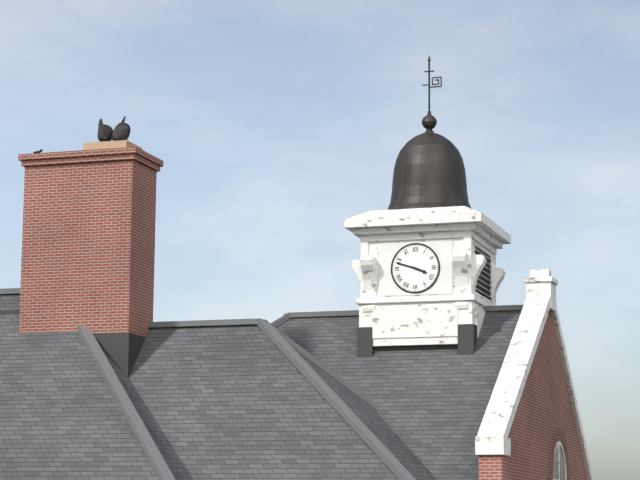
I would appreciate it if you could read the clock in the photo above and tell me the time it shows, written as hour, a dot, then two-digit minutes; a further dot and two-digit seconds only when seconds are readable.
3.48
